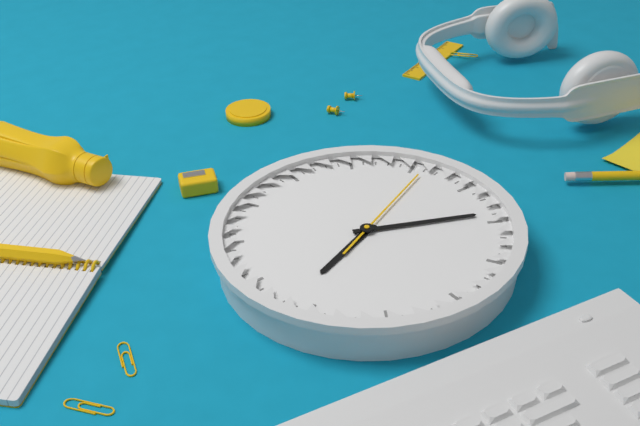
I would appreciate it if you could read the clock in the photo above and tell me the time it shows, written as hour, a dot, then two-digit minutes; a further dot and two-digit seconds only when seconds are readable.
8.19.11
